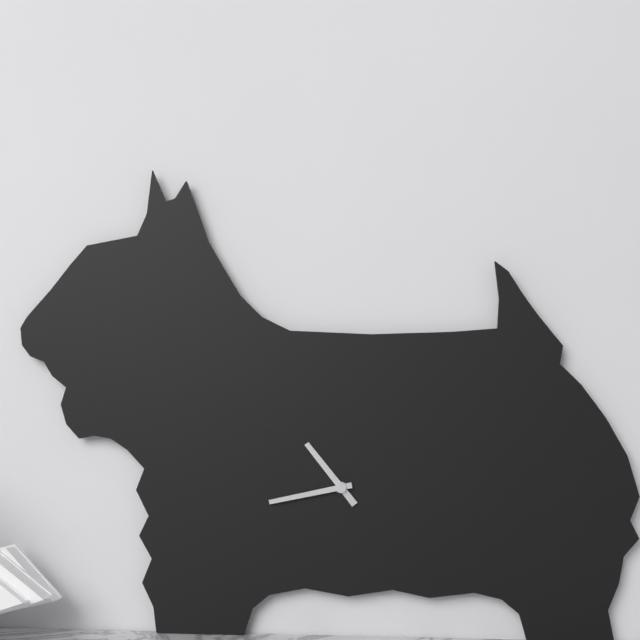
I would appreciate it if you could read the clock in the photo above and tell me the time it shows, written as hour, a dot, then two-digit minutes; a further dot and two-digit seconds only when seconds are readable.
10.43
